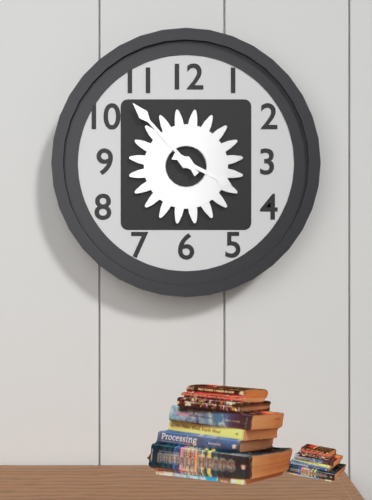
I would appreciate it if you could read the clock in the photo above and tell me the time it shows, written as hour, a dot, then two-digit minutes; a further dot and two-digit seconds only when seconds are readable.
3.53
